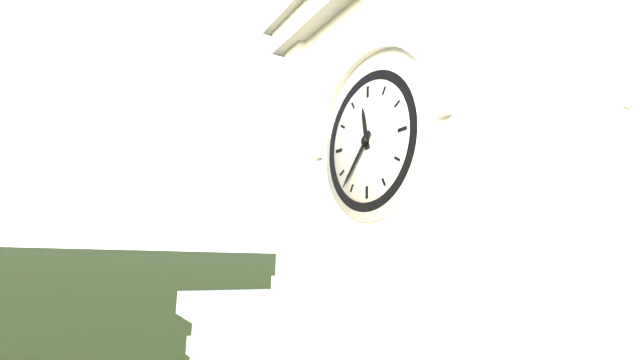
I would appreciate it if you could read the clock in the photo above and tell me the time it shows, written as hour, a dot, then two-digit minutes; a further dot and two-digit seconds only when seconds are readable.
11.37
